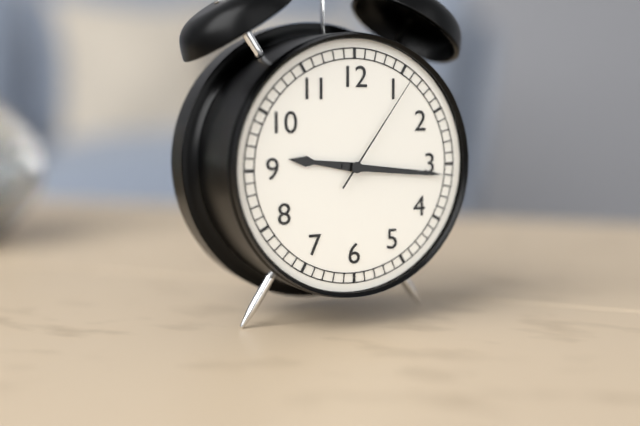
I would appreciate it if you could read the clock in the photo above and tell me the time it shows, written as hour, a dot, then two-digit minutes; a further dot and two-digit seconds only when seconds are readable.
9.16.06
